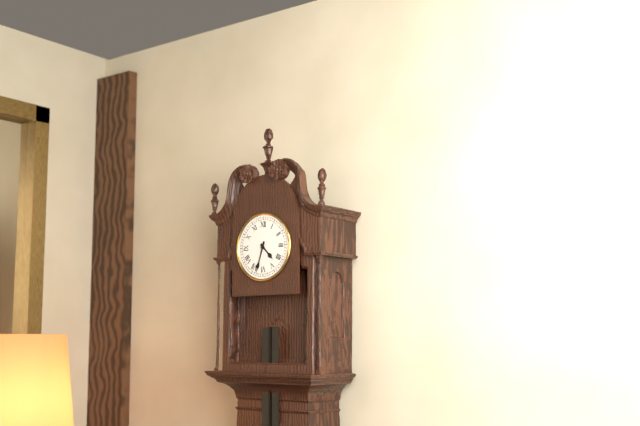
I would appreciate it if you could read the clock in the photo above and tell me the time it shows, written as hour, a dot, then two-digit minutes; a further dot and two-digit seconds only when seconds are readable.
4.33
